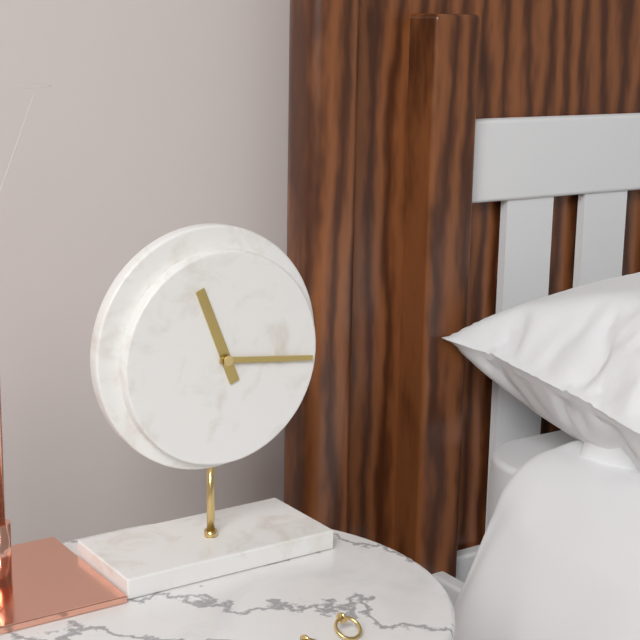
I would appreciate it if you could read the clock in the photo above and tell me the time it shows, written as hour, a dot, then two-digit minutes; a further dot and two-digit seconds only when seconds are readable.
11.16
